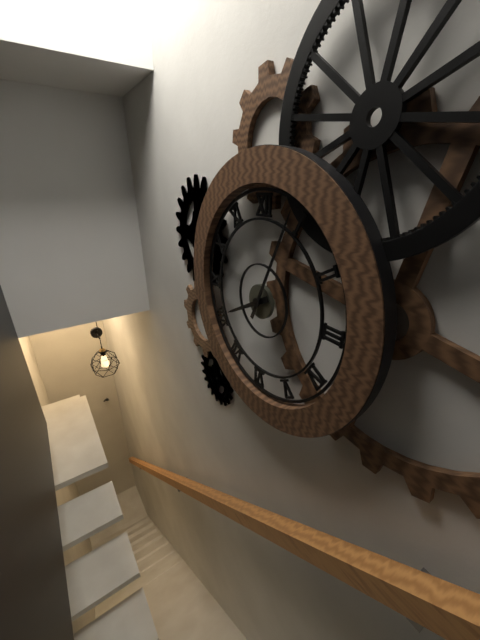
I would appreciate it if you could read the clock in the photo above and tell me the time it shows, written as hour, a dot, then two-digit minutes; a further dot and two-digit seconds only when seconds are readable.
8.04
